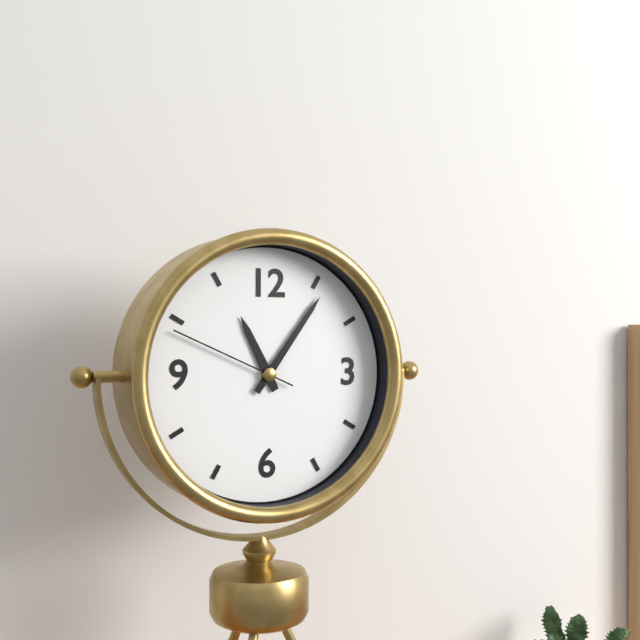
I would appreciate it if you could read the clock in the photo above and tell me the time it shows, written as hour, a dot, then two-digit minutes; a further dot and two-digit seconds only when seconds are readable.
11.06.49
